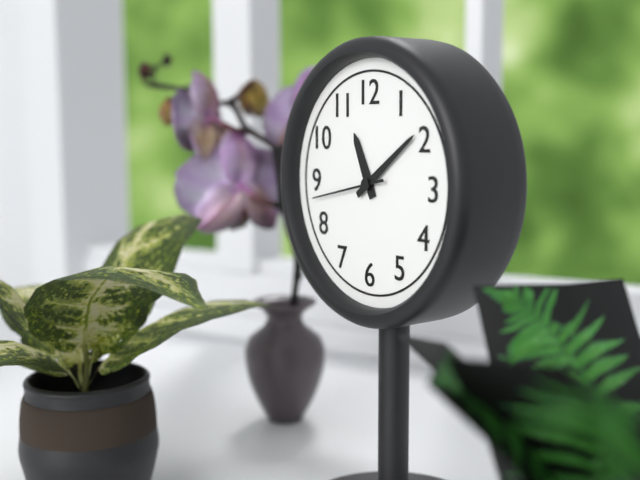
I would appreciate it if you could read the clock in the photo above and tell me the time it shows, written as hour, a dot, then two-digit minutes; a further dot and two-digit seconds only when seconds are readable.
11.09.43
